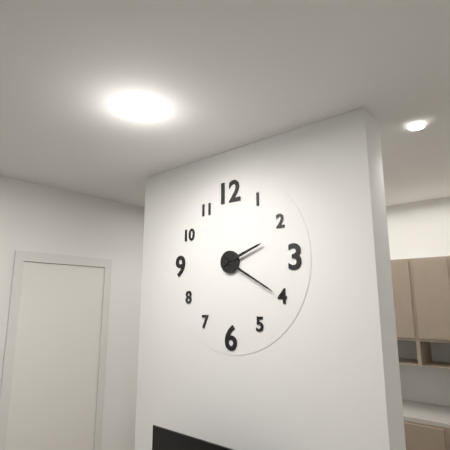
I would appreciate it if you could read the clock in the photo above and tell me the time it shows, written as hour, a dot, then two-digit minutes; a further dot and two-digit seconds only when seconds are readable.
2.20
